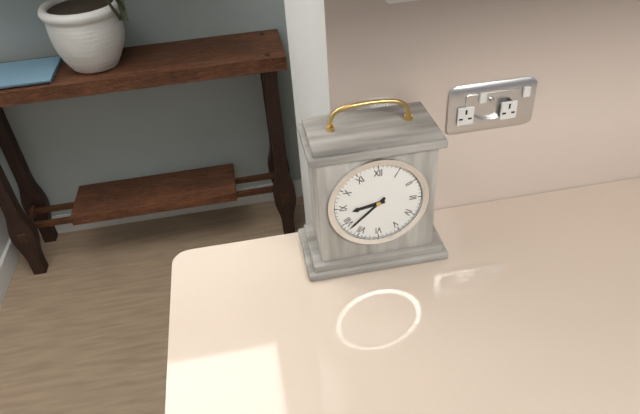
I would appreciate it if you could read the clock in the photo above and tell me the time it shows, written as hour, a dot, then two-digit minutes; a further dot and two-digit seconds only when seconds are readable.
8.38
